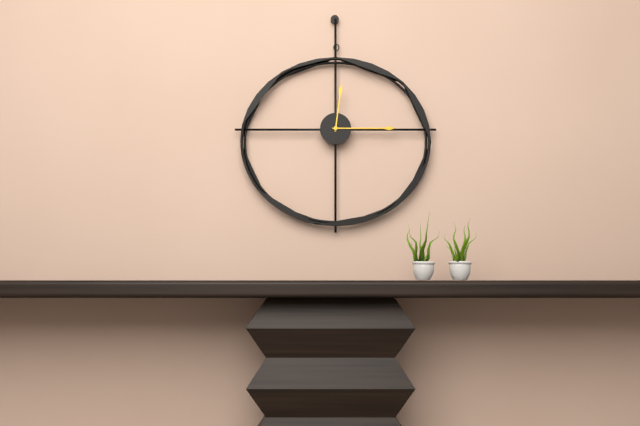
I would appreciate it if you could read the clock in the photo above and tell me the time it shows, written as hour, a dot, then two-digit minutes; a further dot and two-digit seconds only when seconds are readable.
12.15
